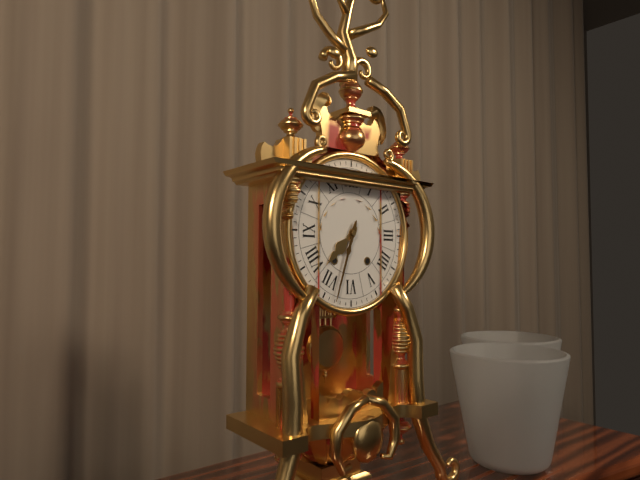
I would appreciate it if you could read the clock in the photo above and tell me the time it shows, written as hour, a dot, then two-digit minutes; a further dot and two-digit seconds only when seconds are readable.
7.33
